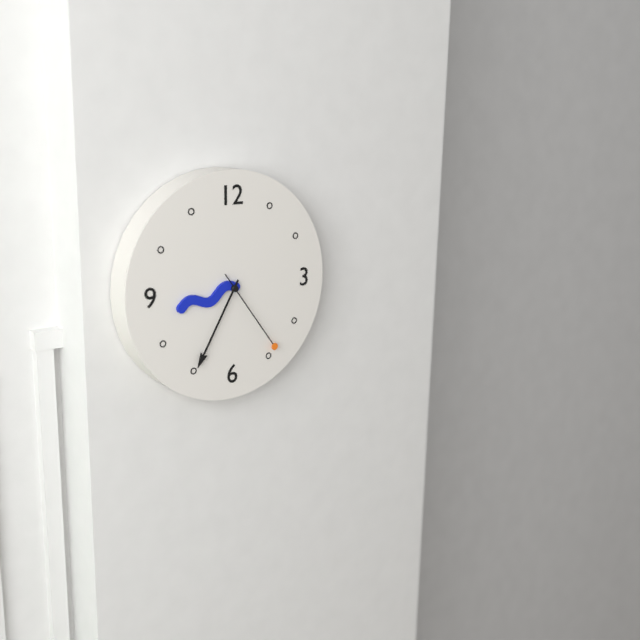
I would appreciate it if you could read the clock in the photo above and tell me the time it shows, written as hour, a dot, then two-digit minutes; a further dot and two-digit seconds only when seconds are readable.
8.35.24
